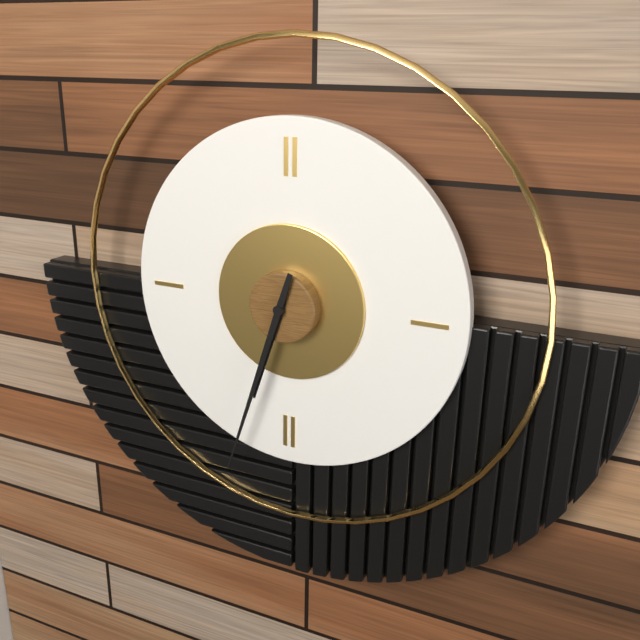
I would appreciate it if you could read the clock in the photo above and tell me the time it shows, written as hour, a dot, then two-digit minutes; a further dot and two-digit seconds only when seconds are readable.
6.33
